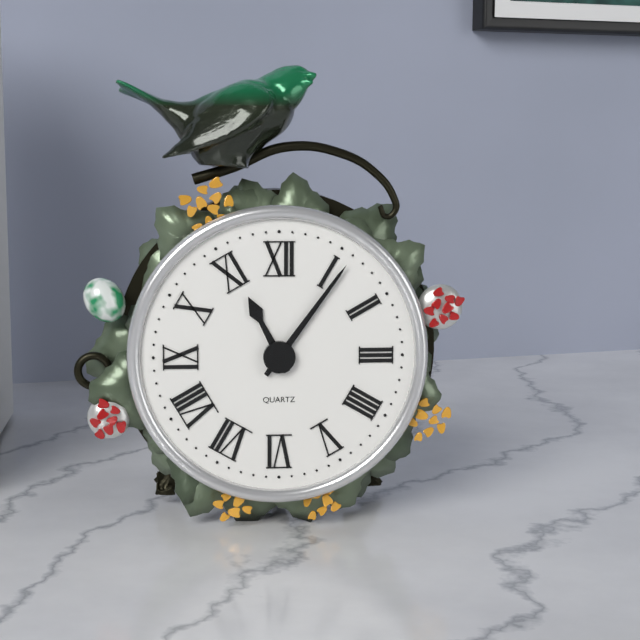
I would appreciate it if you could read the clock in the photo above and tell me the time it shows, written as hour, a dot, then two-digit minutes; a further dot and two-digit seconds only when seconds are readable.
11.06
